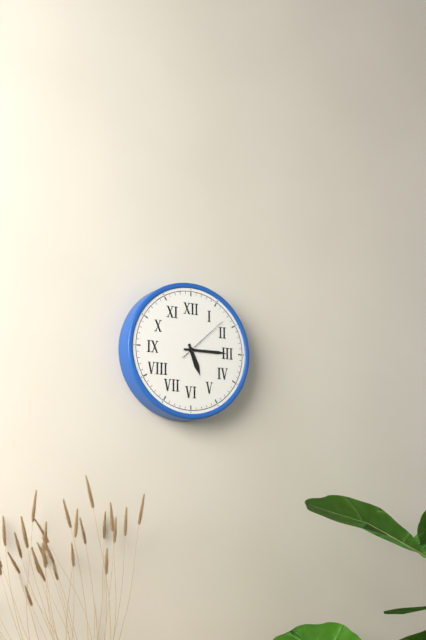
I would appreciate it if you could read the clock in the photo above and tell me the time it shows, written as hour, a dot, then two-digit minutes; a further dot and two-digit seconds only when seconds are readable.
5.15.08
